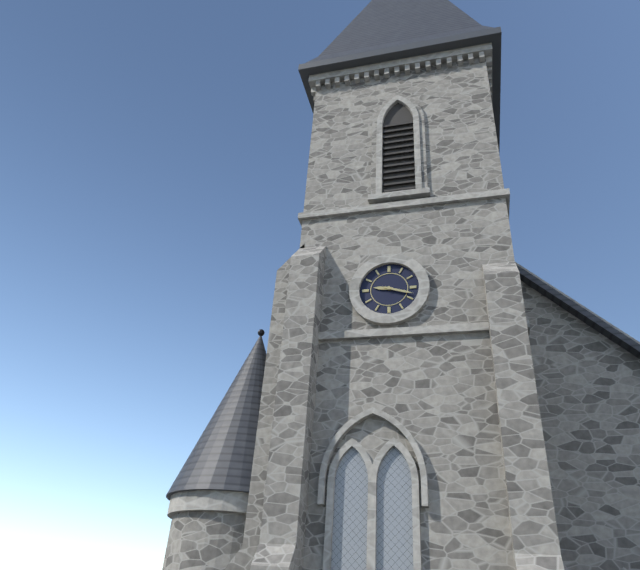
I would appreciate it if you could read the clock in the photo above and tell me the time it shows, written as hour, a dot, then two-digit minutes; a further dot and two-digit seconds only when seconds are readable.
9.18
